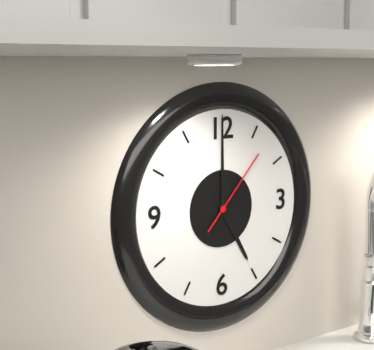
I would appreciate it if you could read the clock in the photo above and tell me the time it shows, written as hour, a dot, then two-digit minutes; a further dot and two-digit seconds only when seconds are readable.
5.00.07
